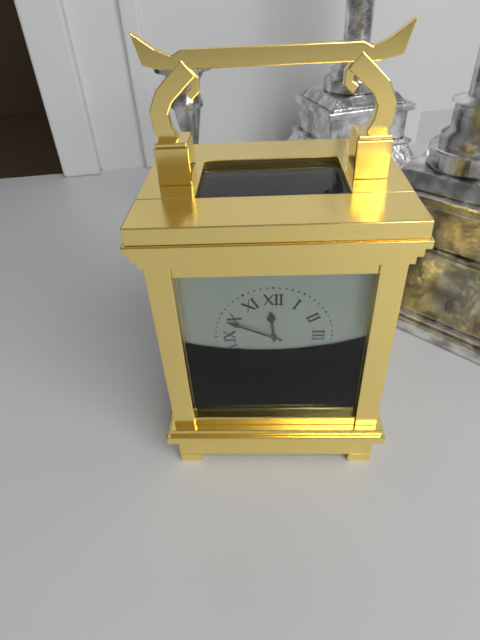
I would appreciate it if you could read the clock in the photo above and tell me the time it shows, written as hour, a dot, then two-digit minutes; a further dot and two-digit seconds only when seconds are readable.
11.49
